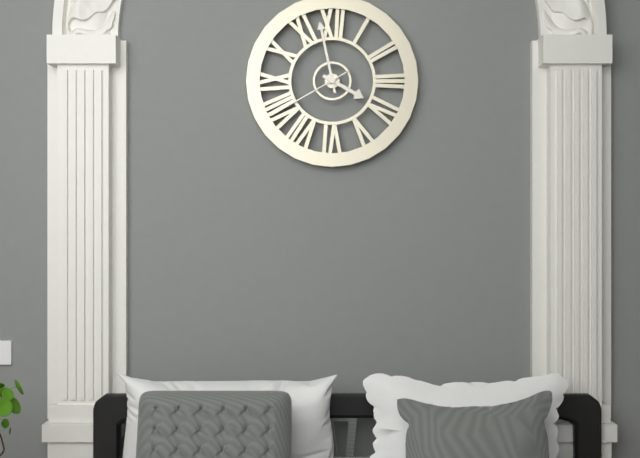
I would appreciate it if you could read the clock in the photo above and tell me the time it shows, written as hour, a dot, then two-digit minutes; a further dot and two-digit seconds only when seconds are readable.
3.58.40
